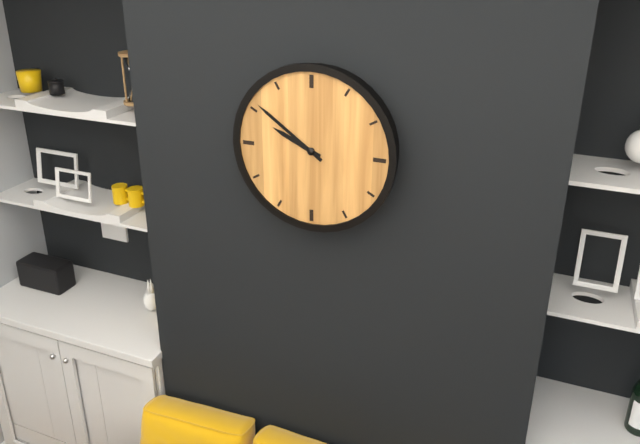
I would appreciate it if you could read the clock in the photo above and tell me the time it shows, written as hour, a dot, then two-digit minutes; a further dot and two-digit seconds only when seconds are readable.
9.51
